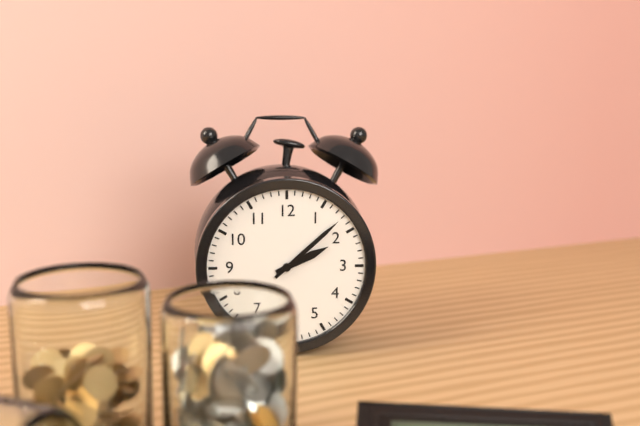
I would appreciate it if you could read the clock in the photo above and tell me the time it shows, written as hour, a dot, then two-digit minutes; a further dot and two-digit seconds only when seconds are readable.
2.08
